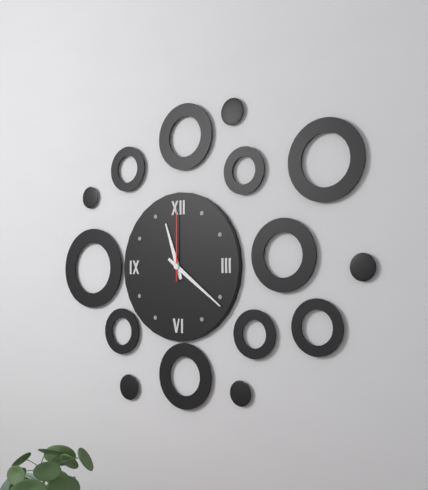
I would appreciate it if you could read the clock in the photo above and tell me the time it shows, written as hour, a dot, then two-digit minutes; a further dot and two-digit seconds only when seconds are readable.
11.21.00
